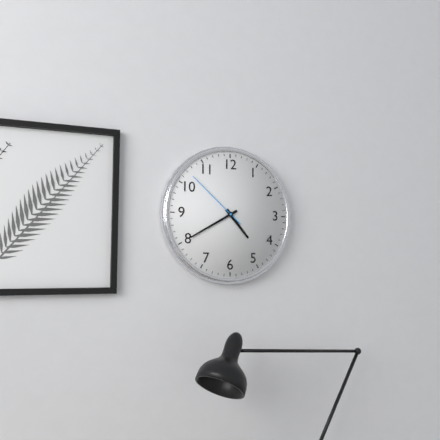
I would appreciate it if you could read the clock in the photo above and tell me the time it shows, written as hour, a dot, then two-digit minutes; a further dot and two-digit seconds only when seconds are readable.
4.40.52
